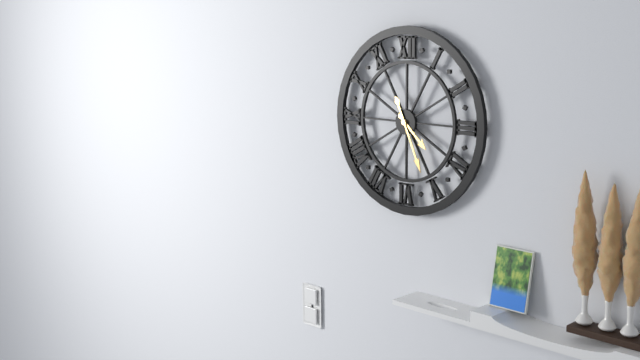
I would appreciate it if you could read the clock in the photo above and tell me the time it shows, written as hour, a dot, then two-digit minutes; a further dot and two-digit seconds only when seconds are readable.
4.26
